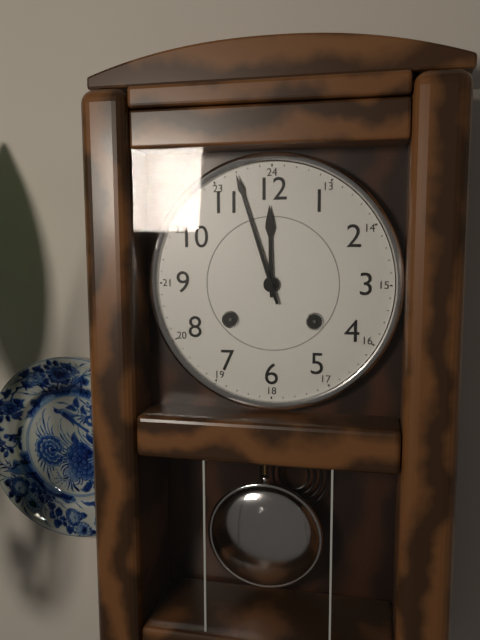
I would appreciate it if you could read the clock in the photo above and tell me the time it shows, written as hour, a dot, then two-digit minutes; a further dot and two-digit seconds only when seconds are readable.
11.57
